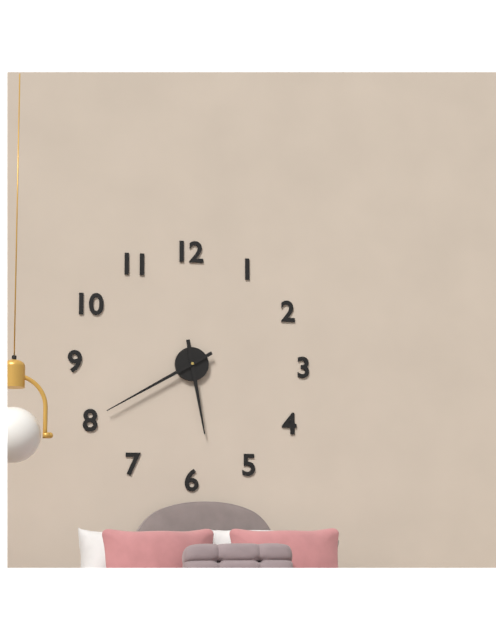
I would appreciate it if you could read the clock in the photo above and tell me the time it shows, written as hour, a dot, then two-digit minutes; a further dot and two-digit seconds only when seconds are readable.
5.40
